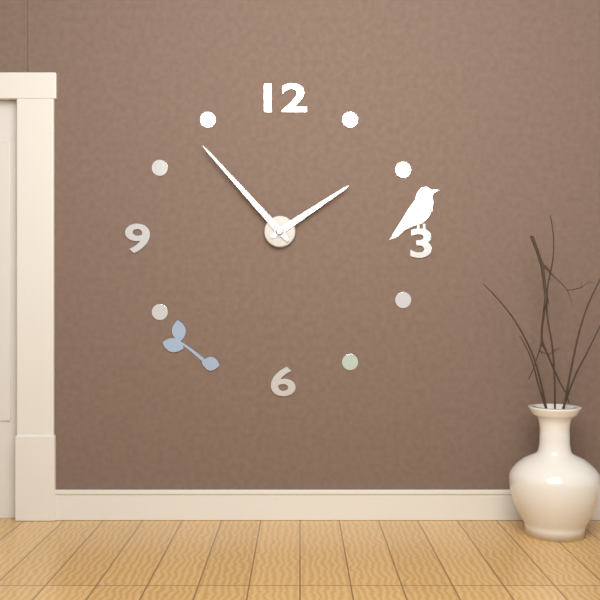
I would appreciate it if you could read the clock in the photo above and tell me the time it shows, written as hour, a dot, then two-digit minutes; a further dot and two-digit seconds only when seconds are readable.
1.53
